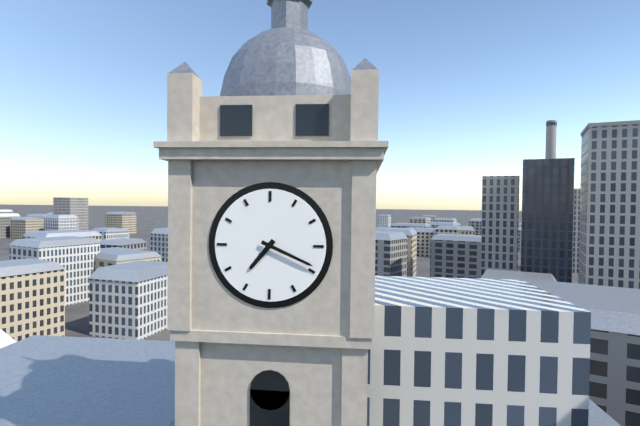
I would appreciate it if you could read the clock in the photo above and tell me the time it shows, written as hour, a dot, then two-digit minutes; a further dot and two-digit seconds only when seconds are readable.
7.19
